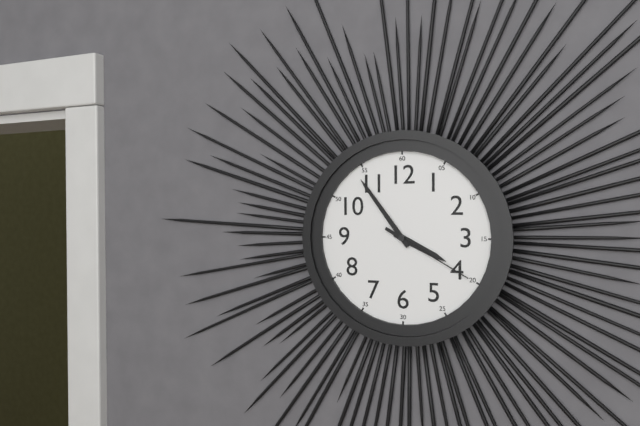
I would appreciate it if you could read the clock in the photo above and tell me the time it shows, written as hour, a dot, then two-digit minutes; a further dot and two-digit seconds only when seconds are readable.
3.54.20
